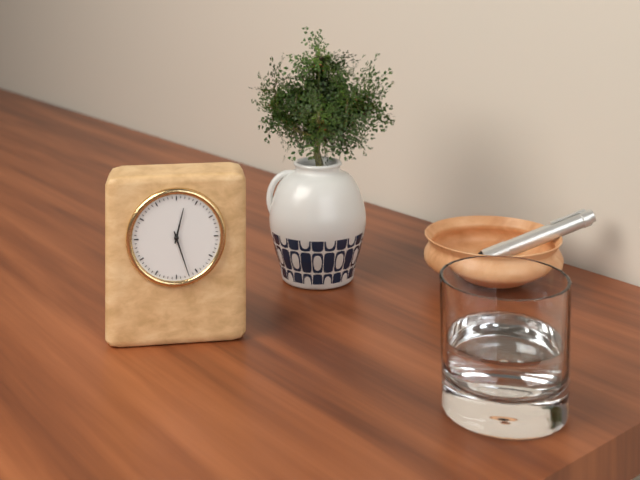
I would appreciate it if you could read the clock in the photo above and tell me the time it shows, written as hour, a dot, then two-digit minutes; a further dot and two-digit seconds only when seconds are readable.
12.27
